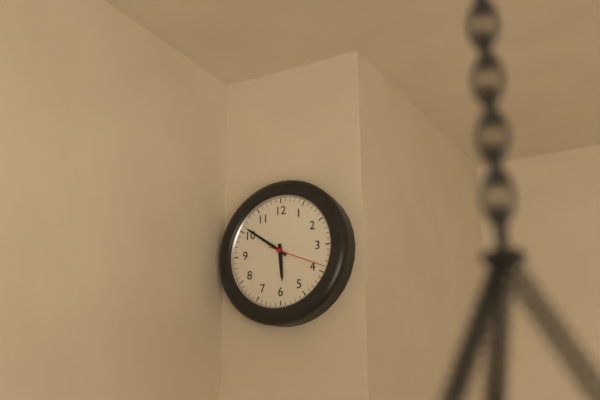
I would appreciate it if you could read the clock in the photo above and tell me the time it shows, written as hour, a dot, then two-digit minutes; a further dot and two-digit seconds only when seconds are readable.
5.51.19
